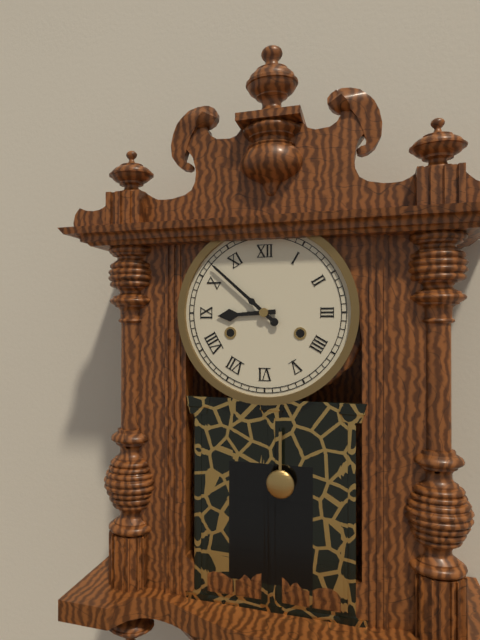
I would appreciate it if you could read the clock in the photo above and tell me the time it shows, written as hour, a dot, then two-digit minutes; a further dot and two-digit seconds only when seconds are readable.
8.52
